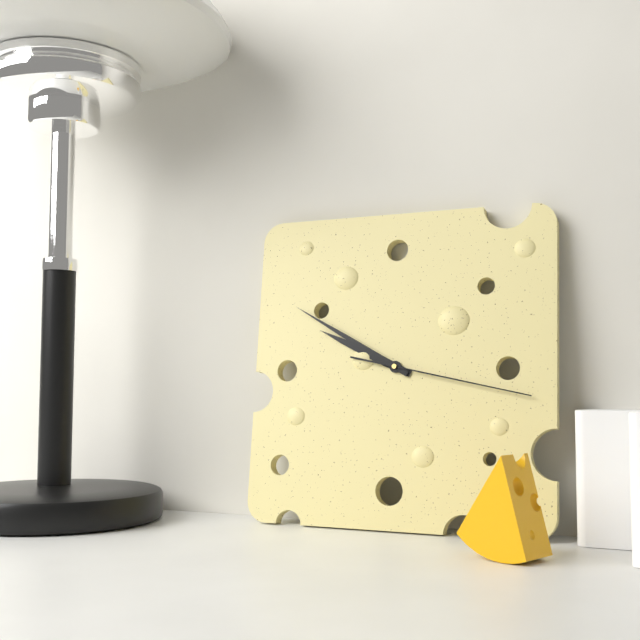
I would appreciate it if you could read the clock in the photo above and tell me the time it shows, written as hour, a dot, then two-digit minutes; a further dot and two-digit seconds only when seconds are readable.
9.50.17
